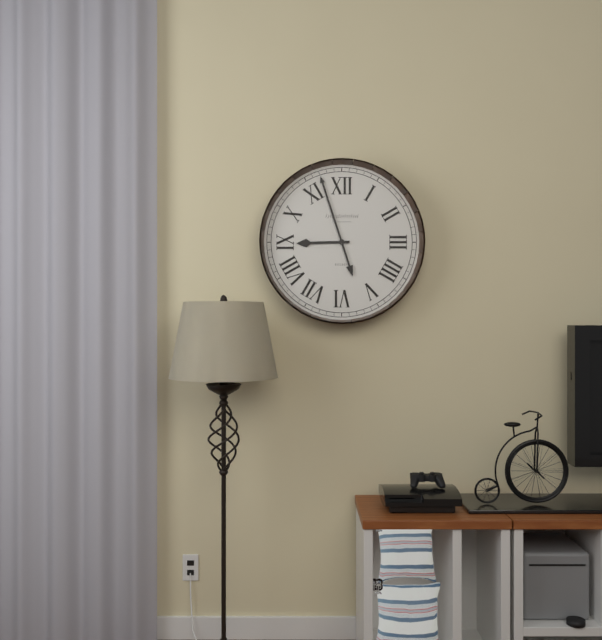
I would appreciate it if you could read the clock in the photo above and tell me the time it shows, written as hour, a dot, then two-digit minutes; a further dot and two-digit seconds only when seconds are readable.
8.57
